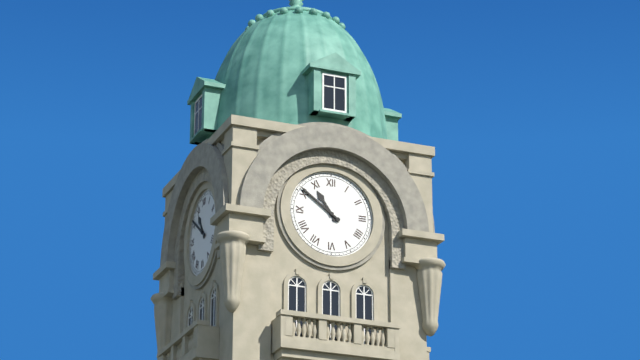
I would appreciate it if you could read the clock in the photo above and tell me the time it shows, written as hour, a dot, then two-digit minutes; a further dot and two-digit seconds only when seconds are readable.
10.51
